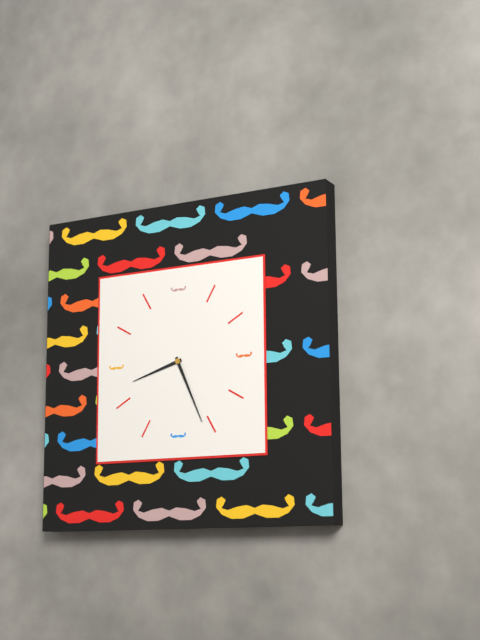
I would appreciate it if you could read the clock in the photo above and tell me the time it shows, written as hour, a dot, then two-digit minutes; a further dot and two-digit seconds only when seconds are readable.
8.26
